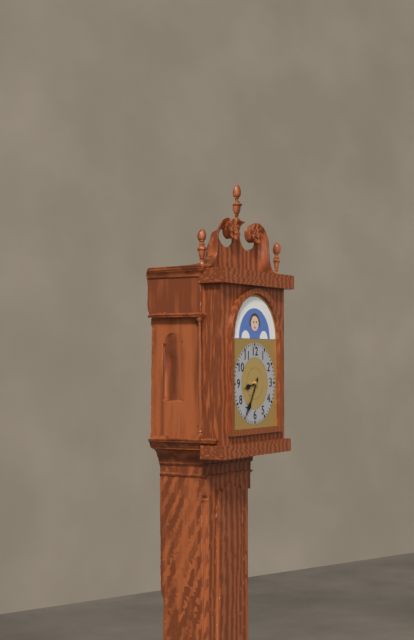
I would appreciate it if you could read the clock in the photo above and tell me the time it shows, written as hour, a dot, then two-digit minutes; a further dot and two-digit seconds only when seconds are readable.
8.35
